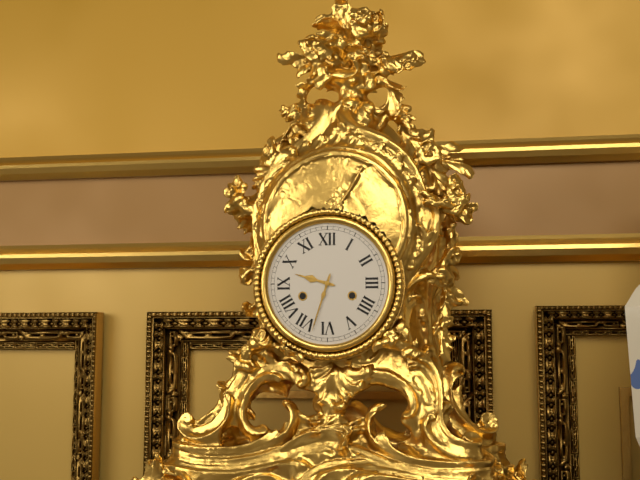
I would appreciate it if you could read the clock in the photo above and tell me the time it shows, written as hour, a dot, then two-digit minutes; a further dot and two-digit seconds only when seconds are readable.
9.33
